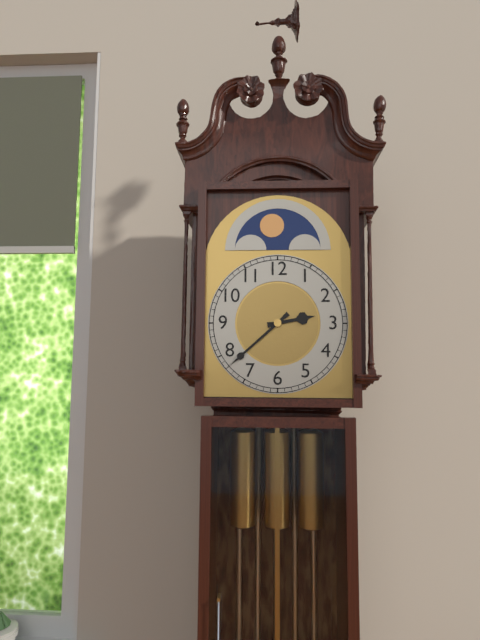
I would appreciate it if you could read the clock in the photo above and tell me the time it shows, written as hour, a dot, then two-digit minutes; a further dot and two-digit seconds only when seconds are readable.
2.38
